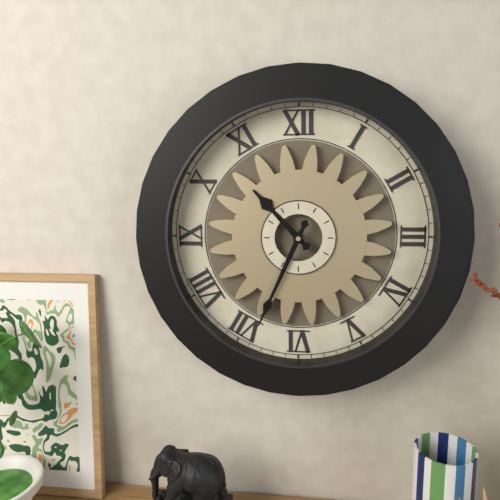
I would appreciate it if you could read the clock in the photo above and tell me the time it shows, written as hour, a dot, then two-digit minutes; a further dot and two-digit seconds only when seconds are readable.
10.34
